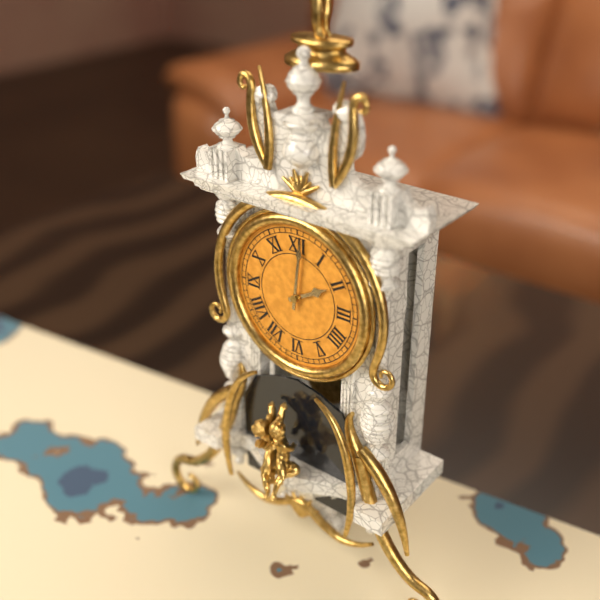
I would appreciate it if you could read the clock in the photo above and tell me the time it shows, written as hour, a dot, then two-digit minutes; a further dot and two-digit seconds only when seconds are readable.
2.01
